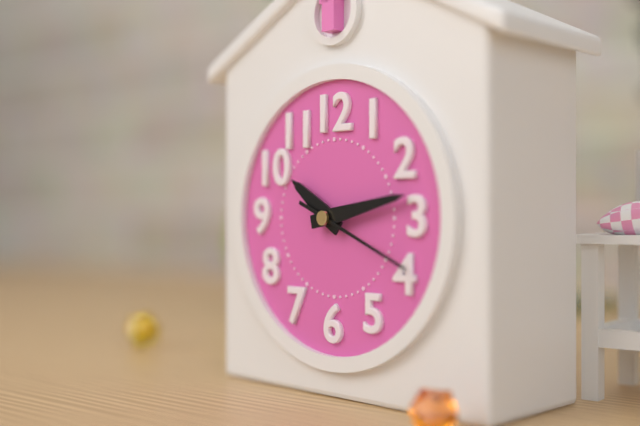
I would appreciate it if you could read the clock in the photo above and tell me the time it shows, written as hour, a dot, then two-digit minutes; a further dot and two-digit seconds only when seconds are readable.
10.13.19
